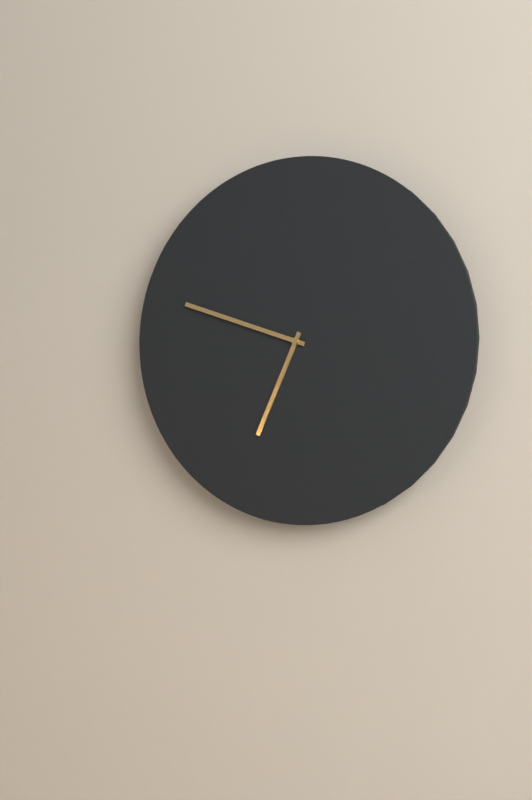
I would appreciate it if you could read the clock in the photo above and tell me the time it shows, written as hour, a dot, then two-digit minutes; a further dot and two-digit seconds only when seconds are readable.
6.48
